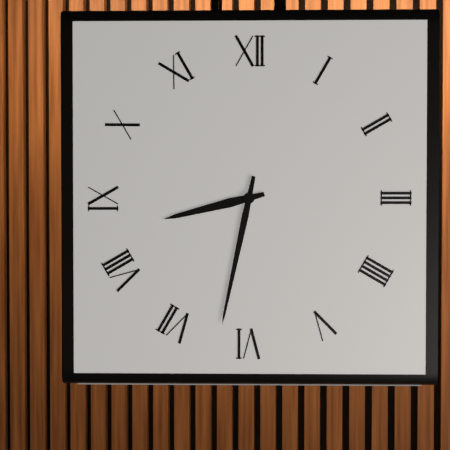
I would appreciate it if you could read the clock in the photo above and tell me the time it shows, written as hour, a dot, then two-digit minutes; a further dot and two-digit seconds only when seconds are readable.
8.32
